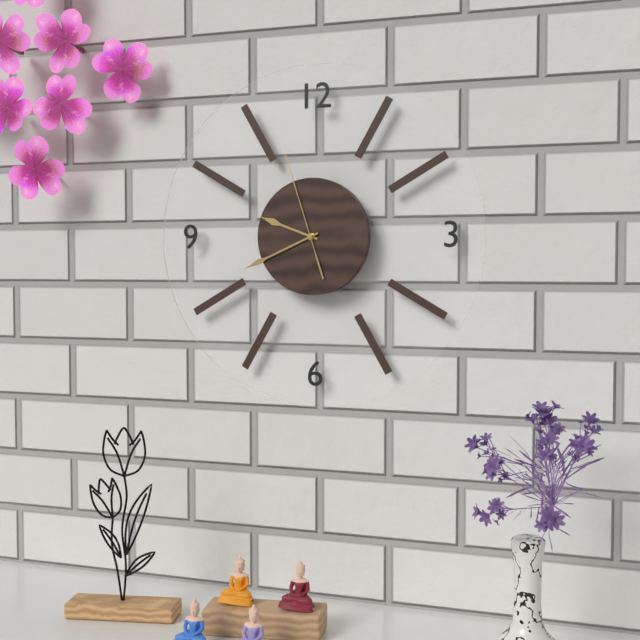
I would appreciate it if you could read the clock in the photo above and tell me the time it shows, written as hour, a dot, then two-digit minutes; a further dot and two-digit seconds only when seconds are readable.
9.41.57
